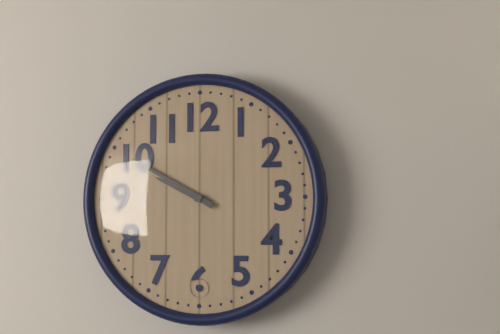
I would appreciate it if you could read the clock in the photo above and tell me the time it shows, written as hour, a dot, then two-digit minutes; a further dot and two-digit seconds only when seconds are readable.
9.50
